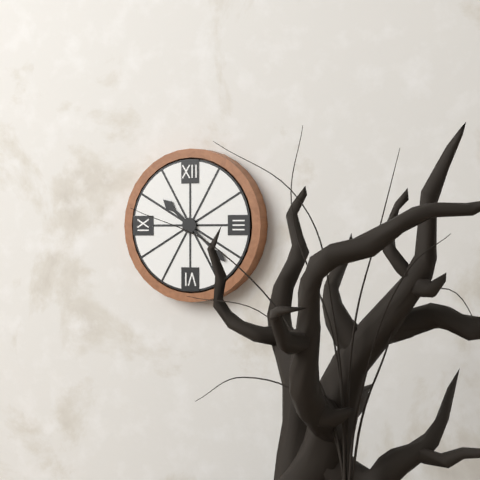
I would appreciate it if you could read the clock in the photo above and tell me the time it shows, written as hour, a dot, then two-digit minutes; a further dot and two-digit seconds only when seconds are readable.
10.22
